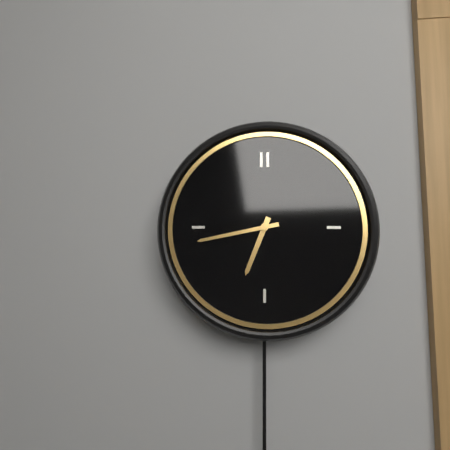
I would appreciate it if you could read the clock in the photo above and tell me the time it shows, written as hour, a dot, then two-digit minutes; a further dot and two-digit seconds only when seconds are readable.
6.43
